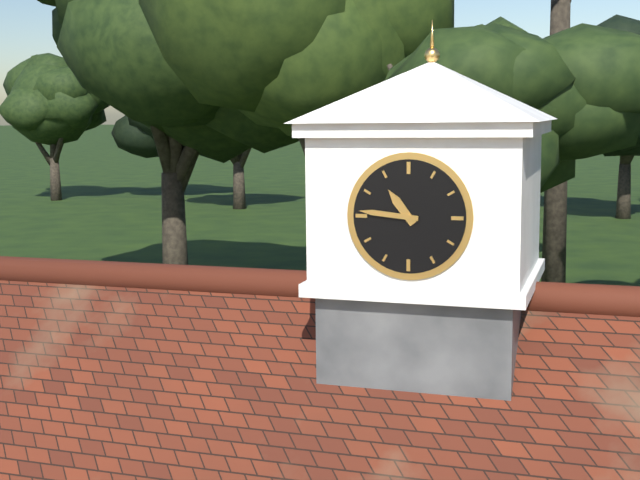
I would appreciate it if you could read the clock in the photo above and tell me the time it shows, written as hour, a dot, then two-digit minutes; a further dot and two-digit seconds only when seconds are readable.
10.46
